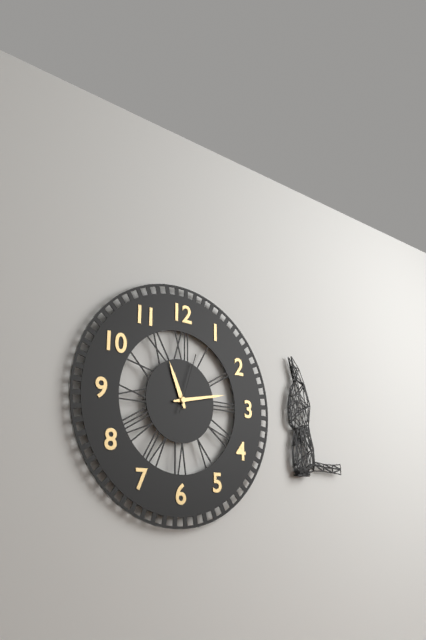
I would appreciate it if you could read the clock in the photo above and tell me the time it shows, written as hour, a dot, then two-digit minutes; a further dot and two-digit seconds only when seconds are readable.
11.13.03
